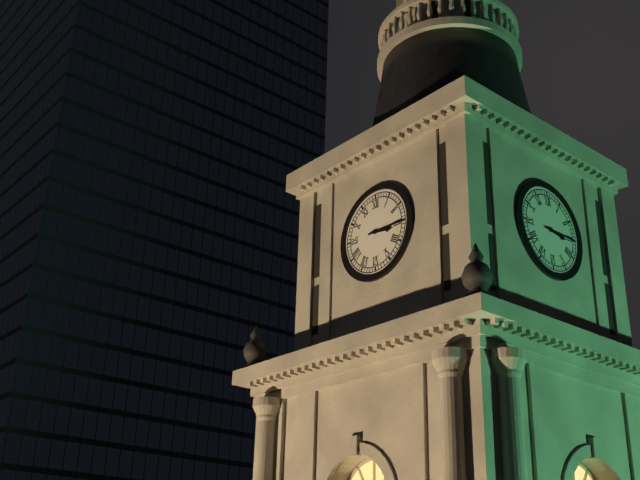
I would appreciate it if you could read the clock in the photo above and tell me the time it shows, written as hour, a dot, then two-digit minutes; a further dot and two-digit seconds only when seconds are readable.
3.15
